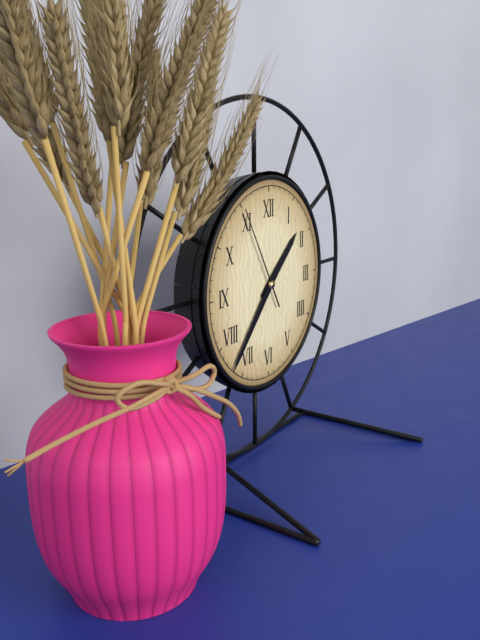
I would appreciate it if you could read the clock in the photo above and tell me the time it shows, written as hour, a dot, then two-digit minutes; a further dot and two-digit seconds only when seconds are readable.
1.37.55
